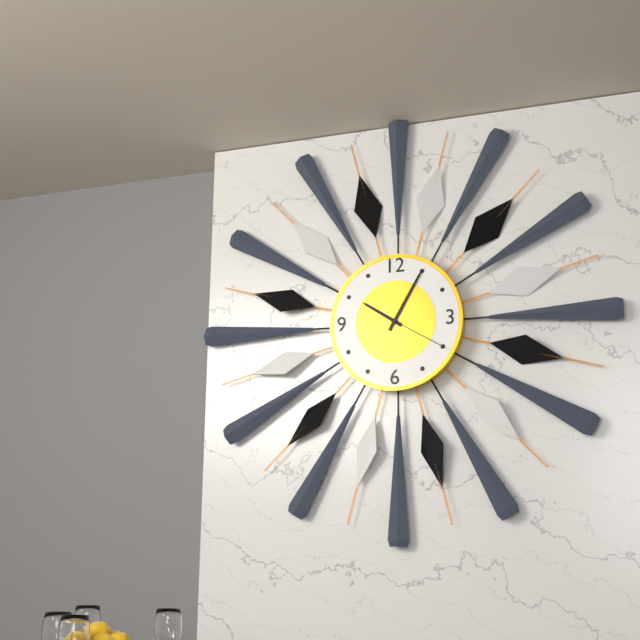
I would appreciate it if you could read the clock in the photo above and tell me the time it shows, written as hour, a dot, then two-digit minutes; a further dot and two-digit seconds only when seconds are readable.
10.05.20
